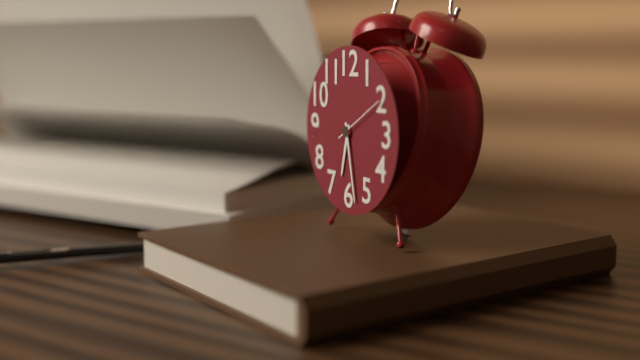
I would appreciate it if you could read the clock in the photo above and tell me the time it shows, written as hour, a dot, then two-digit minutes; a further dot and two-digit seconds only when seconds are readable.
6.28.10
